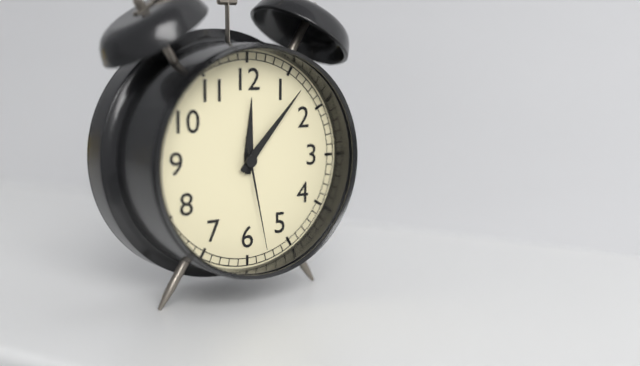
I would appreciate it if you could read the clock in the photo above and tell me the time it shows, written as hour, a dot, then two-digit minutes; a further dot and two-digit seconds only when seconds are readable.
12.07.28
